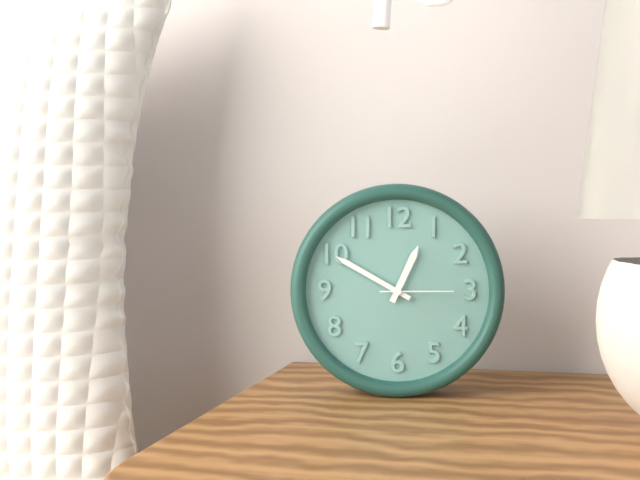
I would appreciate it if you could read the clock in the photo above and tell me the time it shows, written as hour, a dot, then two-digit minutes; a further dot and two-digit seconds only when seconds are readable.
12.50.15
